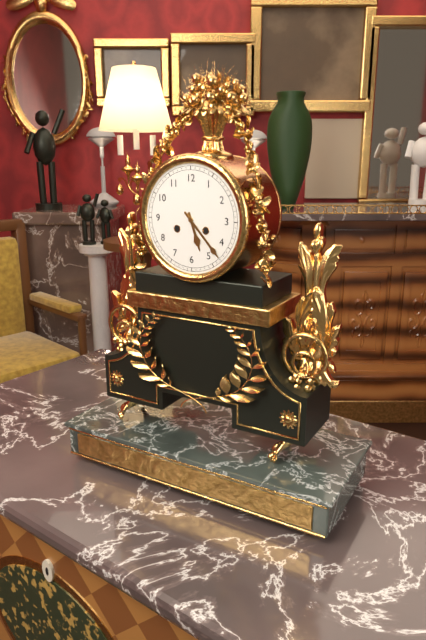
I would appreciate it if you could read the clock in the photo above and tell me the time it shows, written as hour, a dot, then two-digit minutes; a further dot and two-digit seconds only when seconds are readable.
5.23
